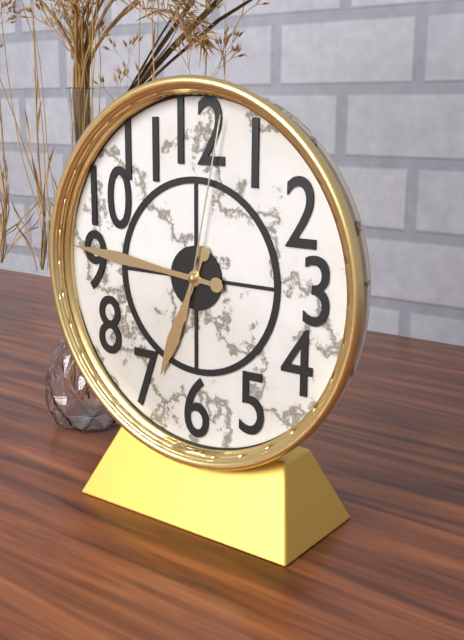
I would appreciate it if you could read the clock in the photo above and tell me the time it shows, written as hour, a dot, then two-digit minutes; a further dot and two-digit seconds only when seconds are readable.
6.46.02
